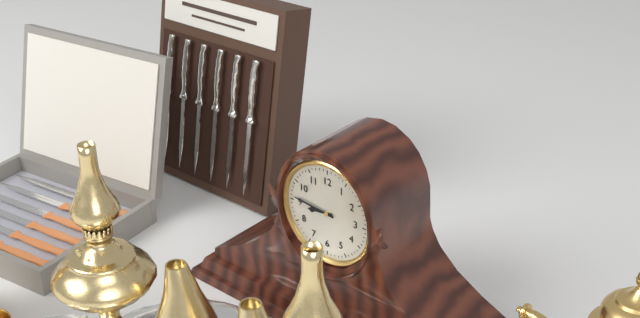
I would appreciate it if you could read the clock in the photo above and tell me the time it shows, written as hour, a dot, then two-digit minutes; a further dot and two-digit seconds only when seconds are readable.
8.46
